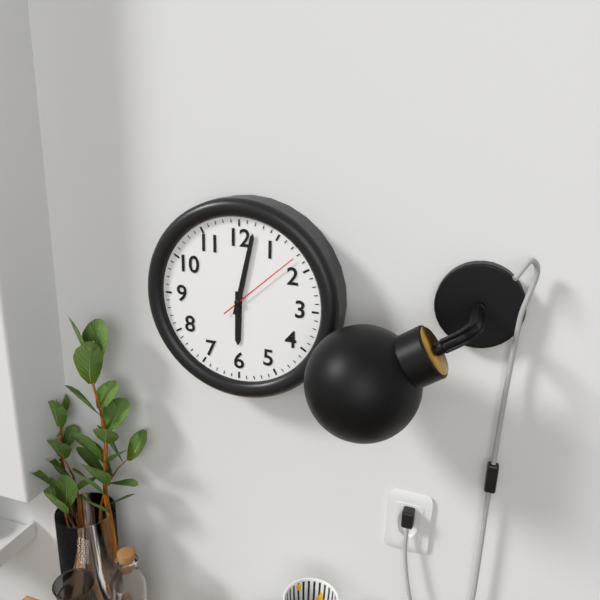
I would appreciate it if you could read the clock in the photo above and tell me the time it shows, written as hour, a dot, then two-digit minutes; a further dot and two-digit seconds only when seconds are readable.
6.02.08
